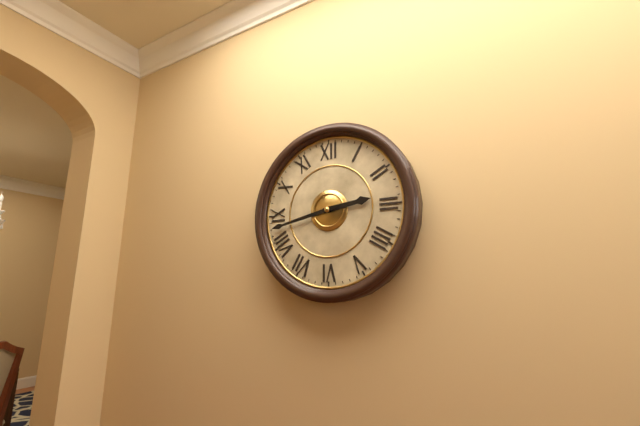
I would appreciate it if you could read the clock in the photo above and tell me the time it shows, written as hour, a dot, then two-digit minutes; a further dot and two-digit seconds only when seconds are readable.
2.43
